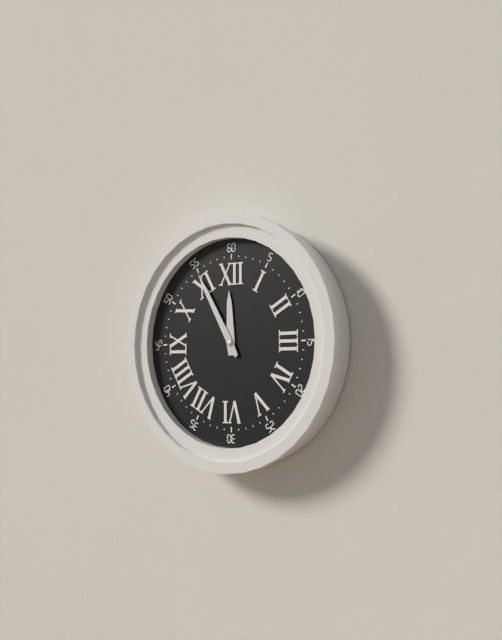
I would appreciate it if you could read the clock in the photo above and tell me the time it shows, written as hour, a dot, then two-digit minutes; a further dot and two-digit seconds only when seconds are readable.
11.55
